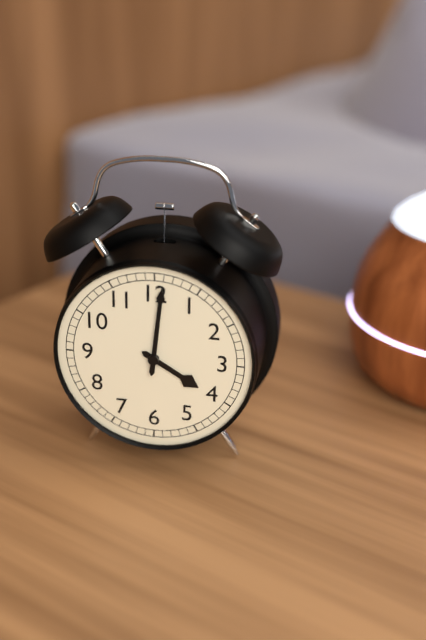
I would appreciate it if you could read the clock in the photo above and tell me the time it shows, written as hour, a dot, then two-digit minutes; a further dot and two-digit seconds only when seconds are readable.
4.01
